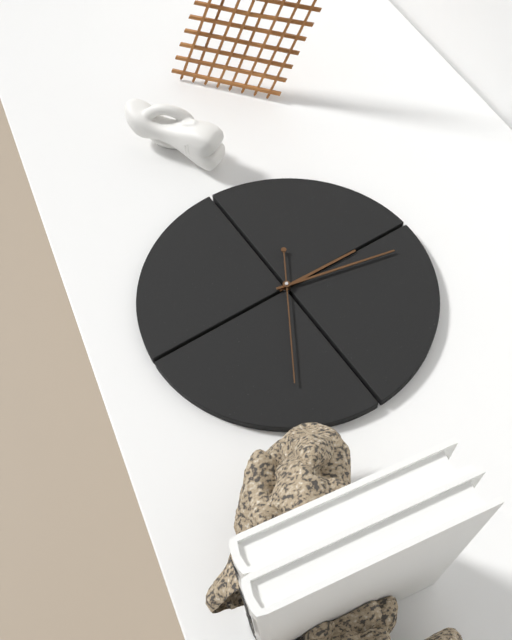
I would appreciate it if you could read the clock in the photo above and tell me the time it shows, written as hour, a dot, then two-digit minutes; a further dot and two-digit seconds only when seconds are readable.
12.02.20
